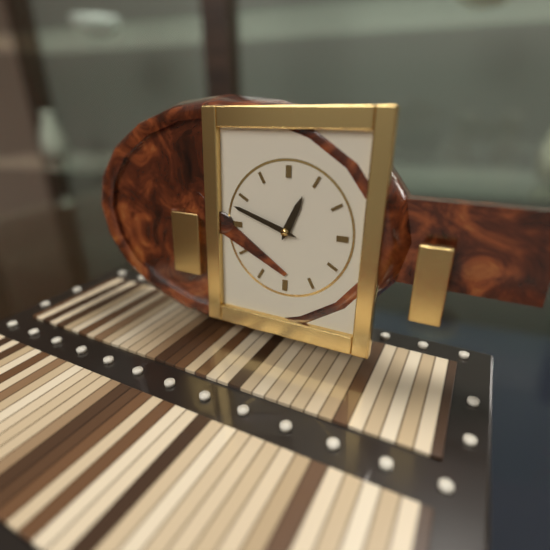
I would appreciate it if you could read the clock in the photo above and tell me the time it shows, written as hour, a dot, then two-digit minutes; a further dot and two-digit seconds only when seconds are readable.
12.48
